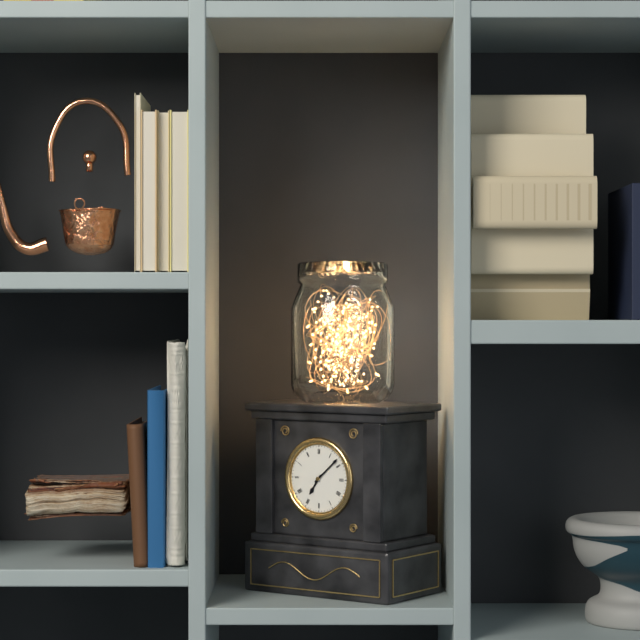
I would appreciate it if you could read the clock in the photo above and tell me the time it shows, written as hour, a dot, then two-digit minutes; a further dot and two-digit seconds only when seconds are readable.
7.08
